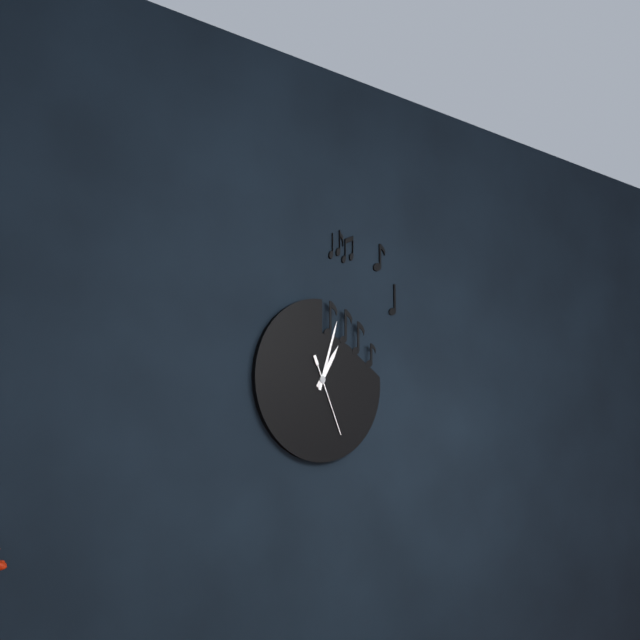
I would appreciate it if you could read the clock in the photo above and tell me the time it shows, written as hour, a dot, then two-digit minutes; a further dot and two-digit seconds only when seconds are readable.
1.03.26
